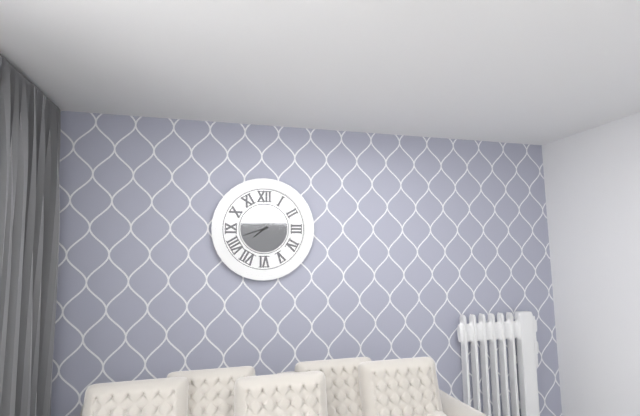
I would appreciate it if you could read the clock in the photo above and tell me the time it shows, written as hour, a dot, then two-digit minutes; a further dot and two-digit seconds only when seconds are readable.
7.42
